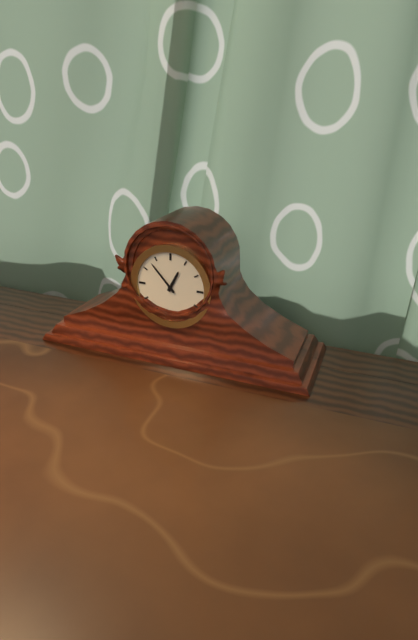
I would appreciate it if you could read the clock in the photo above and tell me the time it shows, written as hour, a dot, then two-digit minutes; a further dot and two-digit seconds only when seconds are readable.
12.53
